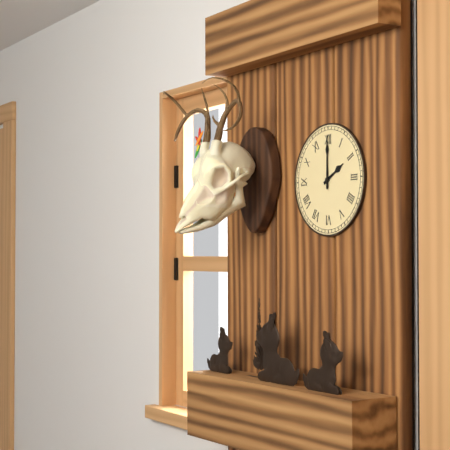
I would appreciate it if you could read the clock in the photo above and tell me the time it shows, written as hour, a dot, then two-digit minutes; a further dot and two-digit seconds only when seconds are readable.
2.00
